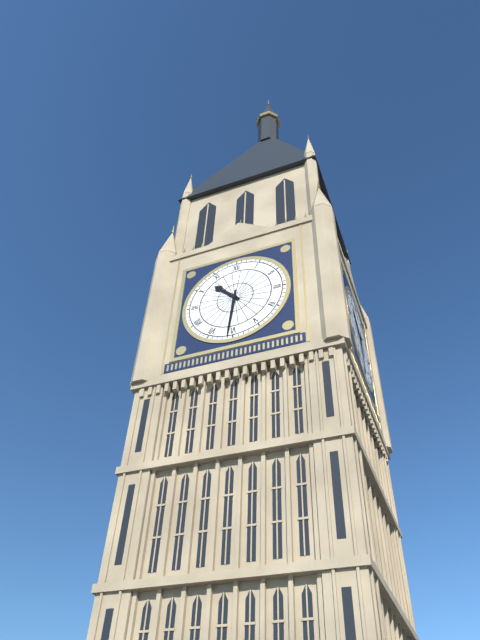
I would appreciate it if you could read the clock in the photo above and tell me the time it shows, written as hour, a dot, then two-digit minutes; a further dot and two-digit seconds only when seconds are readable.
10.31
